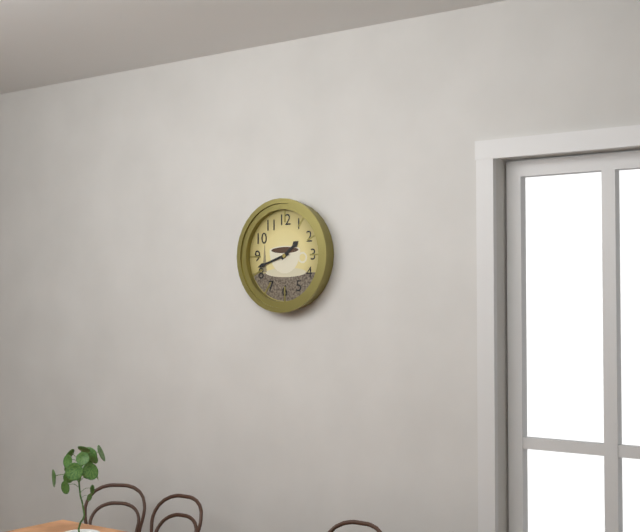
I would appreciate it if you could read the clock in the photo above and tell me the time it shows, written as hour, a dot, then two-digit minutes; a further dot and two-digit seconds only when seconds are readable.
1.42
